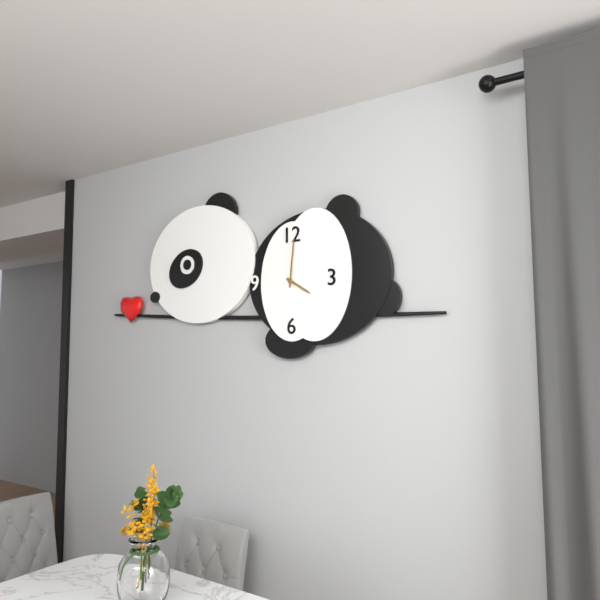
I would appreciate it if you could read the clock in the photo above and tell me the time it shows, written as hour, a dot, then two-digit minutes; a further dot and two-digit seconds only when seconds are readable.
4.01
